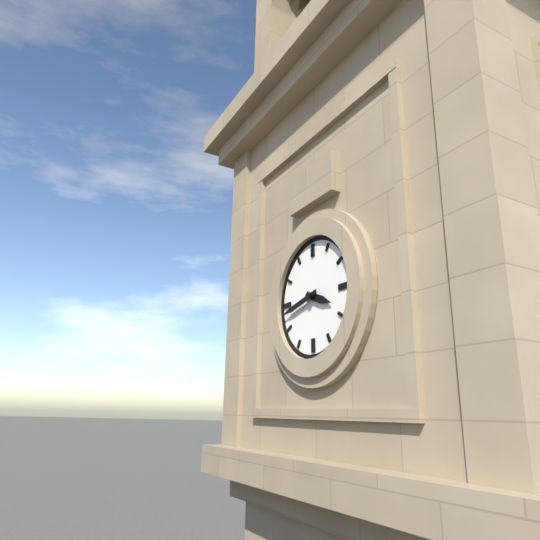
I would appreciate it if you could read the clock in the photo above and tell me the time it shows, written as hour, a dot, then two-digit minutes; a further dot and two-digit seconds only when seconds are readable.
3.43
